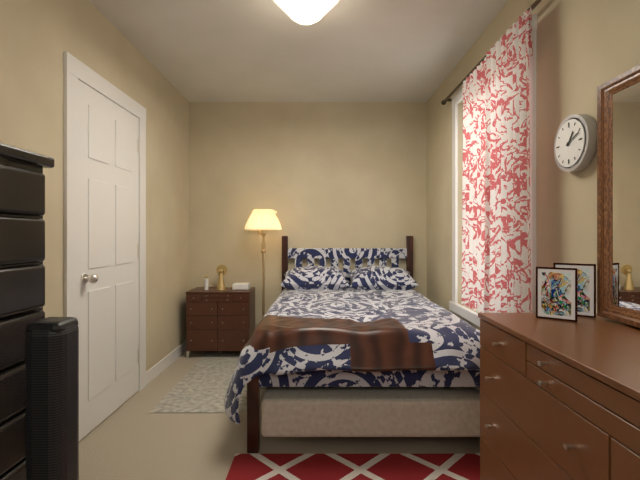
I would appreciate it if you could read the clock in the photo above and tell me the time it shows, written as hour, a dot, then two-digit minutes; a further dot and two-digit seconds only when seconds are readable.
1.11
